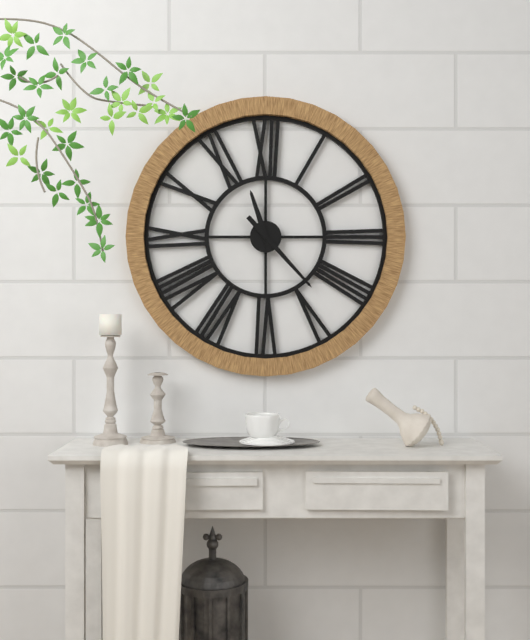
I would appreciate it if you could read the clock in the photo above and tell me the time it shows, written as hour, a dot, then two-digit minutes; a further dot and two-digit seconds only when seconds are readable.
11.23
